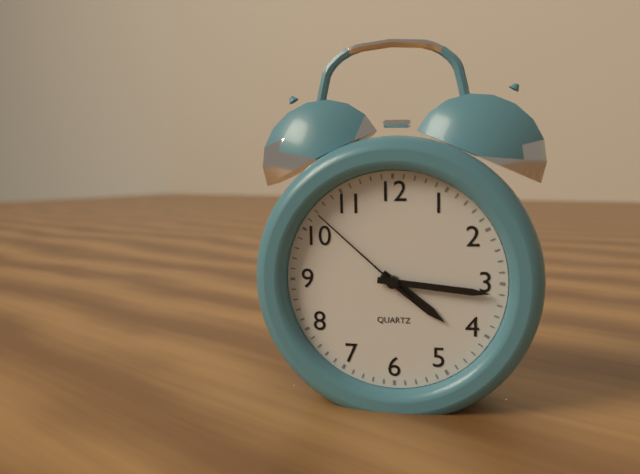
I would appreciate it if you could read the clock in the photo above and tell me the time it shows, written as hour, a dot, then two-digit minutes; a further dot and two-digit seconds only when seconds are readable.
4.16.52
